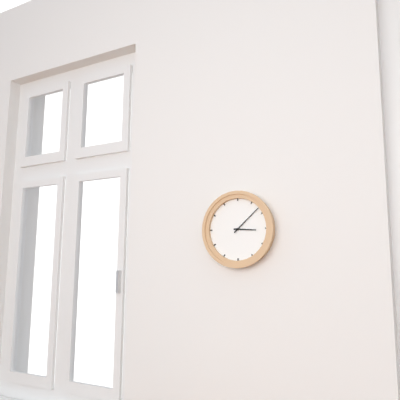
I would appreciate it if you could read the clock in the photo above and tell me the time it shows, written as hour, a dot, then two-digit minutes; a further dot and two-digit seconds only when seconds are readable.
3.08
